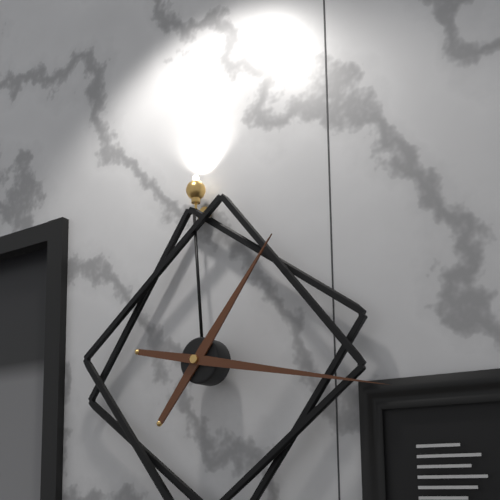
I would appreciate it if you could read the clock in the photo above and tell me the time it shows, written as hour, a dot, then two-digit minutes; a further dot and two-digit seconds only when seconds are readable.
1.17
